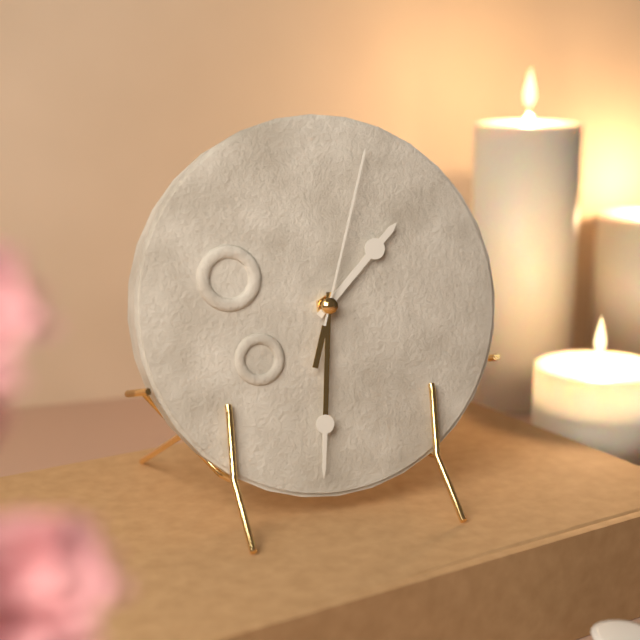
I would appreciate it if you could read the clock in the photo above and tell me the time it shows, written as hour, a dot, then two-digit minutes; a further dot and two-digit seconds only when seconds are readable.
1.31.03
